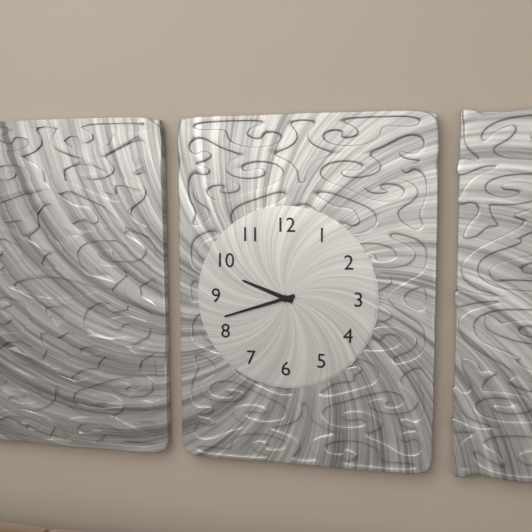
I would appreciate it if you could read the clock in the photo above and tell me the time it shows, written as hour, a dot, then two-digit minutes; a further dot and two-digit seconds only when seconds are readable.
9.42
